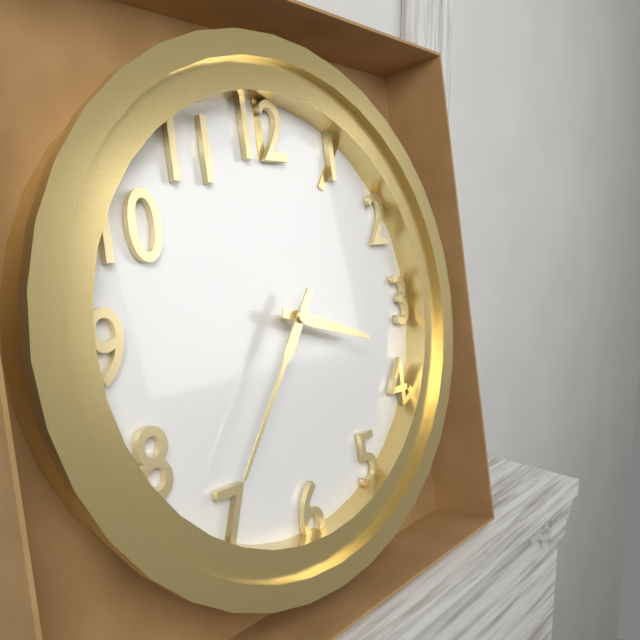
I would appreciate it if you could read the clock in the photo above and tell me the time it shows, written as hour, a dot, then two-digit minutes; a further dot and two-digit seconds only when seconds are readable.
3.36
